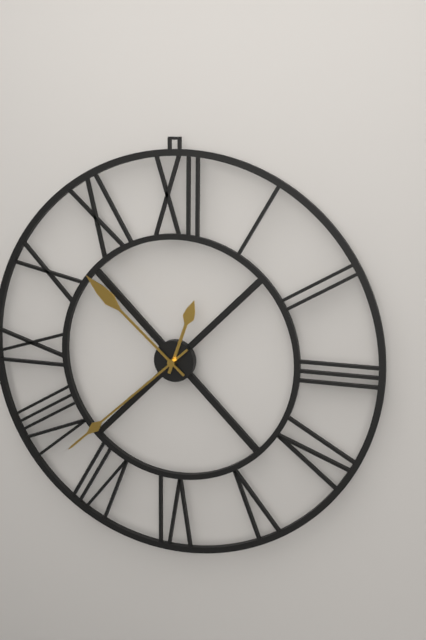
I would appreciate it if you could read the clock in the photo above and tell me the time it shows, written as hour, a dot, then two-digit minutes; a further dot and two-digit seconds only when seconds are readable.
12.38.52
